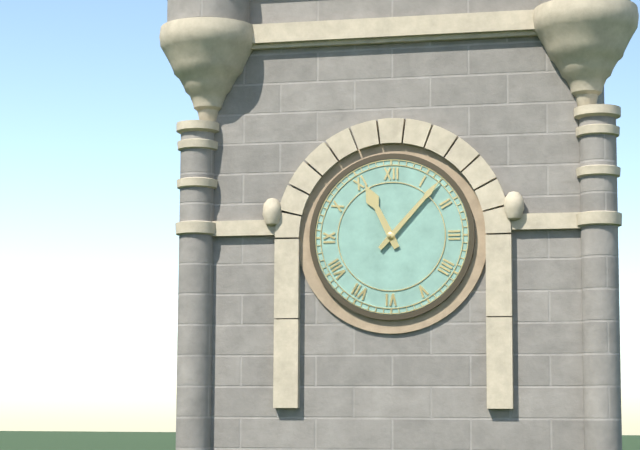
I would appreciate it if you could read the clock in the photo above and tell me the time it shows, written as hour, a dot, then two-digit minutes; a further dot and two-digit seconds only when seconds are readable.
11.07
